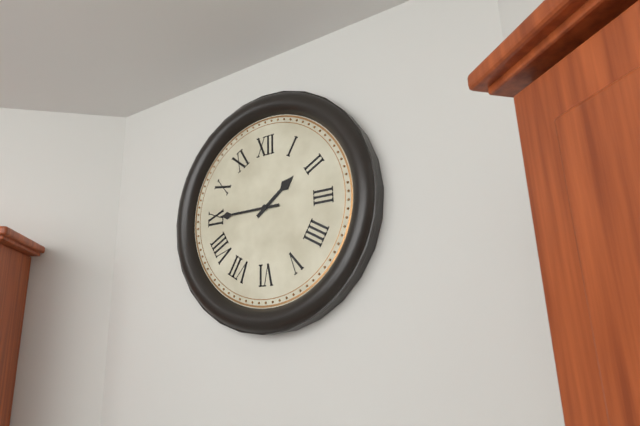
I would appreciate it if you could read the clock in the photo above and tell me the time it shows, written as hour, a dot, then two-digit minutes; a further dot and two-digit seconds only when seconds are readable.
1.45
